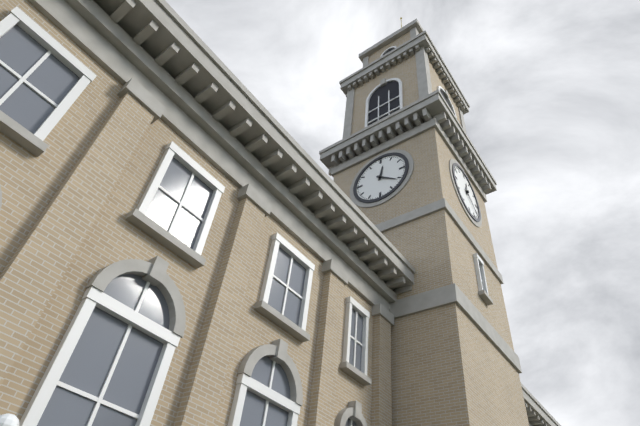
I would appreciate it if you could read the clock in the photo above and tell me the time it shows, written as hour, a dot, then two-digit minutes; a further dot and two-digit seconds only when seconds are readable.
12.21
